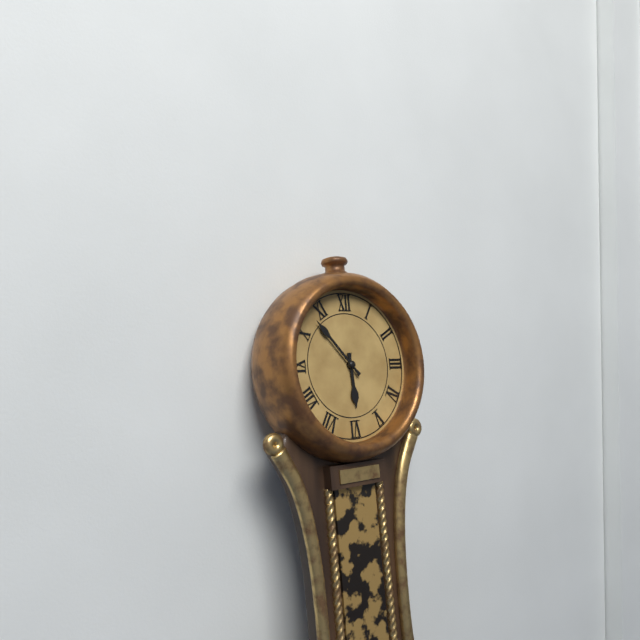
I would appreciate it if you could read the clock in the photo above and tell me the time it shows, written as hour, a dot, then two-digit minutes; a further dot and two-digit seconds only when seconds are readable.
5.53
